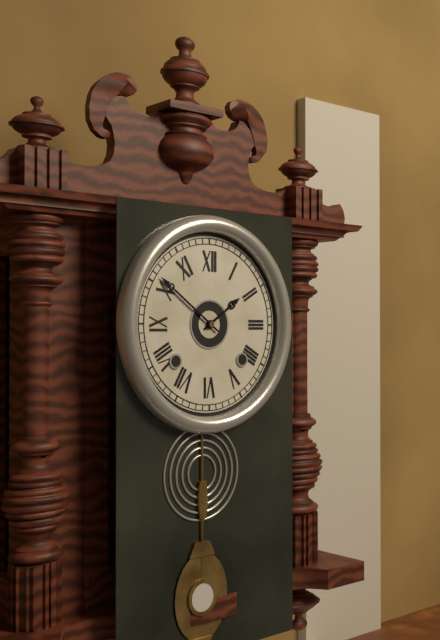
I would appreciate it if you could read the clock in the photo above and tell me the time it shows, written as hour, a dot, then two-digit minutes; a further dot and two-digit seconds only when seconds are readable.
1.51
